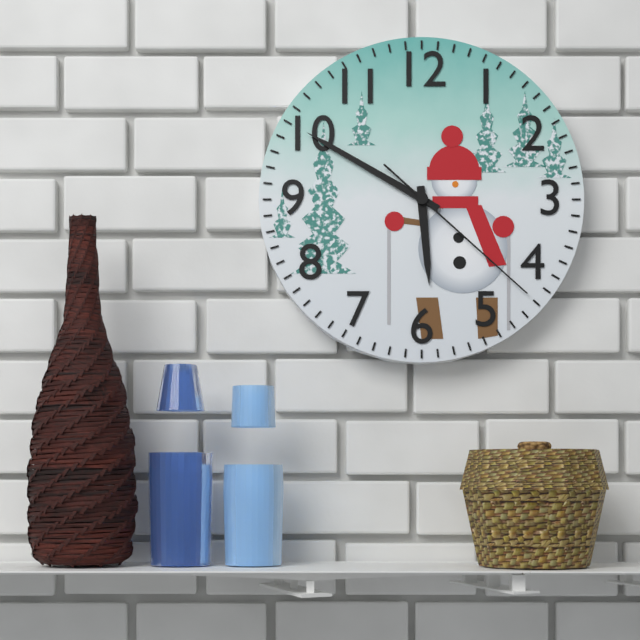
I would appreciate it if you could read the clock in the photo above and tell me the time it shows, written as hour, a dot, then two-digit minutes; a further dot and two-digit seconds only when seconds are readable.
5.50.22
